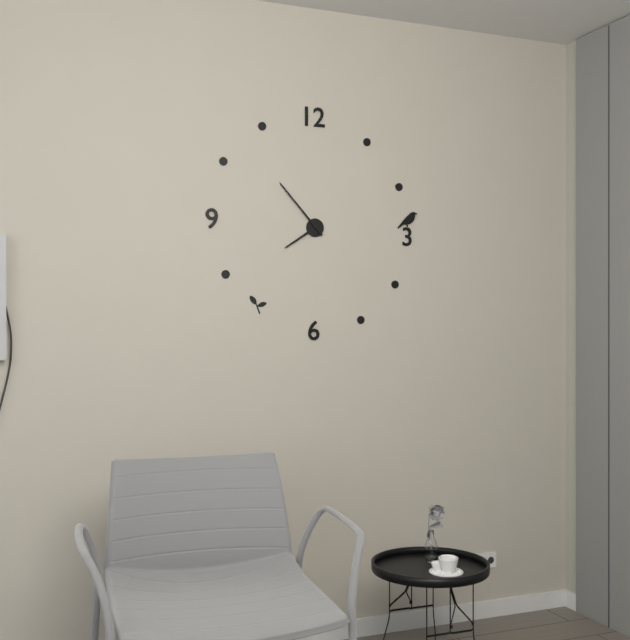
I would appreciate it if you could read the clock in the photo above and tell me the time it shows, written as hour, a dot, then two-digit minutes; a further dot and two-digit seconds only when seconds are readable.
7.53
